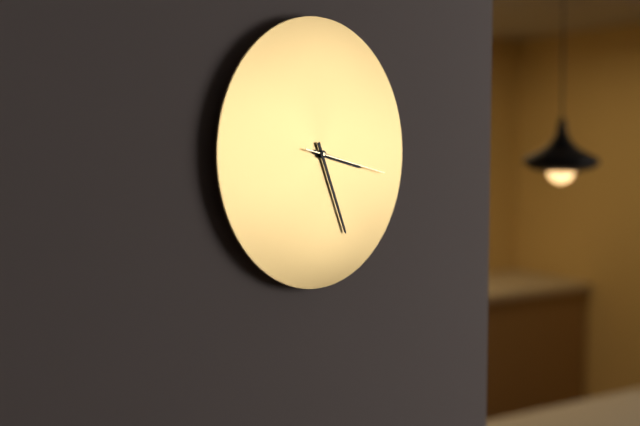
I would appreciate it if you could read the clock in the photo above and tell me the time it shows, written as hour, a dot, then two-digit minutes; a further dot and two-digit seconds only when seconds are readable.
3.26.17
